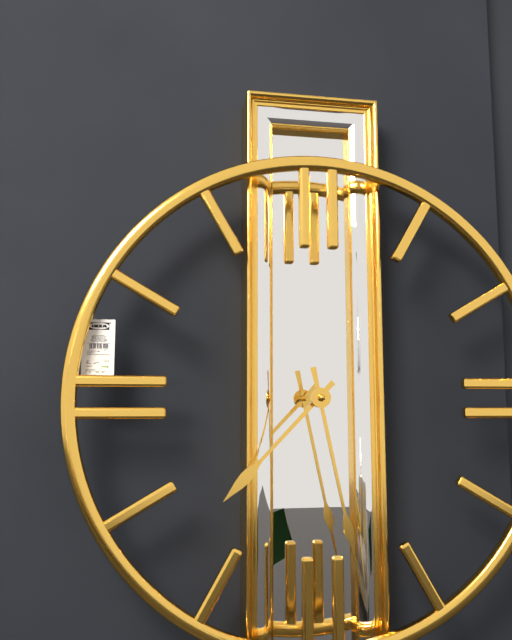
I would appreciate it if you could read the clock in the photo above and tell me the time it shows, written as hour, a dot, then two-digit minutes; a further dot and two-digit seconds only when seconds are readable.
7.28
